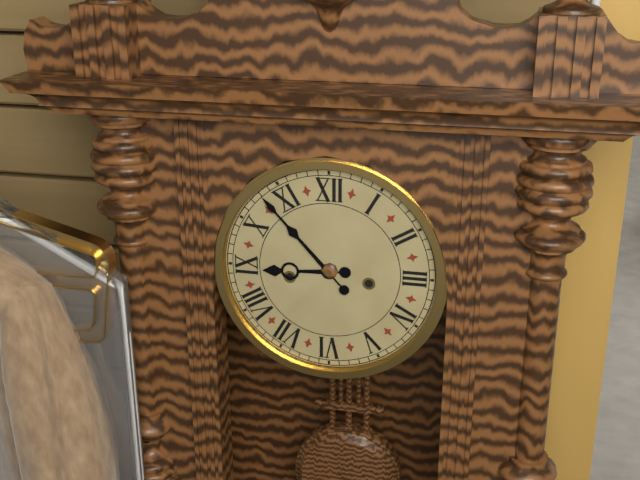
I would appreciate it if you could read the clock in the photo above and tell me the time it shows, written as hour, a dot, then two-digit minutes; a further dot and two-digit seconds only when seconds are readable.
8.53
